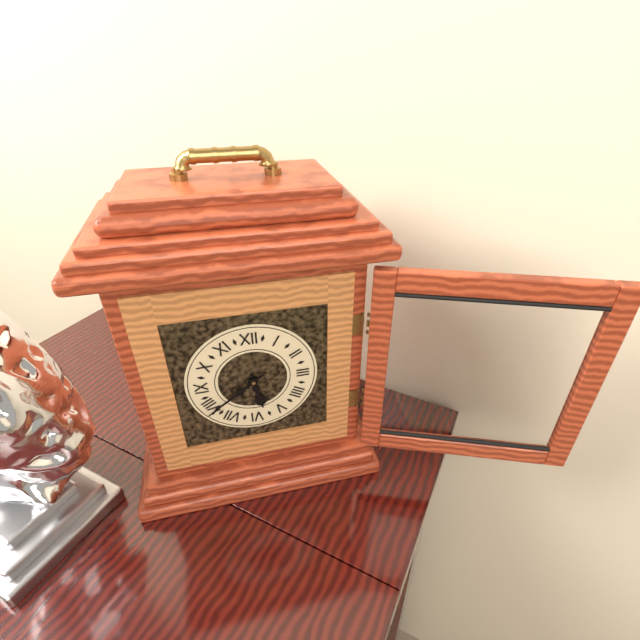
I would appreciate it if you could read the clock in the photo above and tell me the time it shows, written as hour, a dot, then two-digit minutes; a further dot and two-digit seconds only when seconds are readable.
5.39
